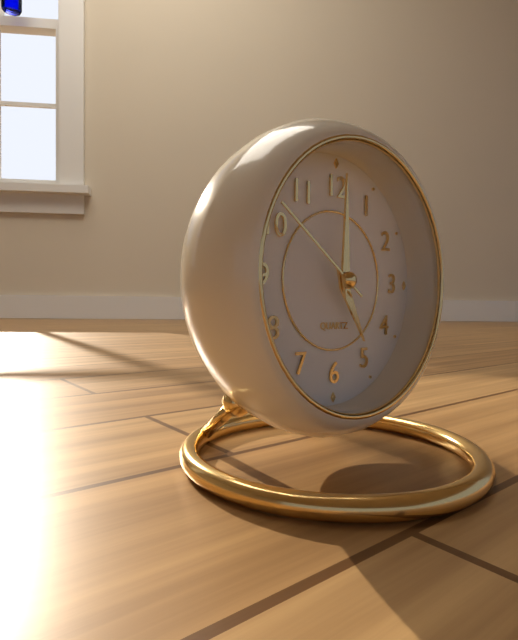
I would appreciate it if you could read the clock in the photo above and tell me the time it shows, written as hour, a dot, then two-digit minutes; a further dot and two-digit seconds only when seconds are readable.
5.00.51
